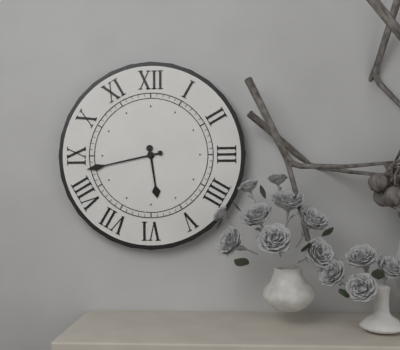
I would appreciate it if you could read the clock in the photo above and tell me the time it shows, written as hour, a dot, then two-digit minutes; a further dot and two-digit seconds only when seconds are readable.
5.43
